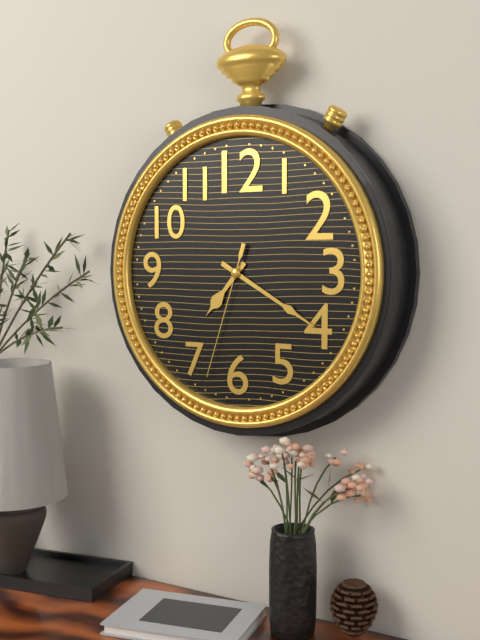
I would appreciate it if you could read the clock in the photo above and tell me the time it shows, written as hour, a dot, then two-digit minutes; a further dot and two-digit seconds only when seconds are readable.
7.20.33
